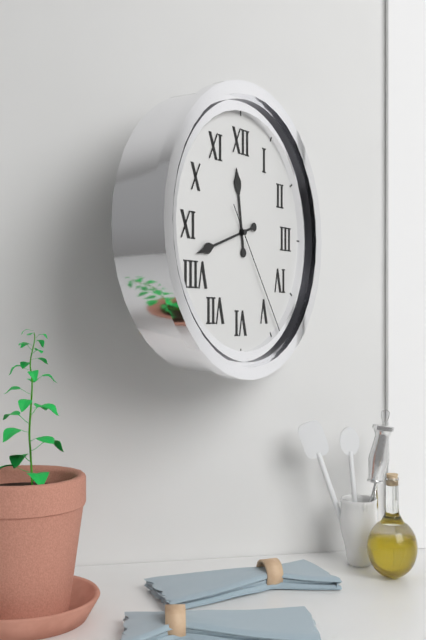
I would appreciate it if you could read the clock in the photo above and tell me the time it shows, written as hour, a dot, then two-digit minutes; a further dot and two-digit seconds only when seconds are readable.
11.42.24
